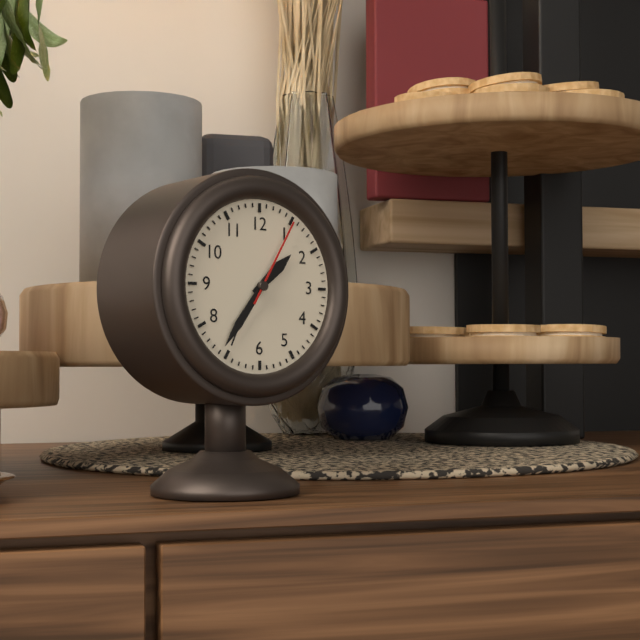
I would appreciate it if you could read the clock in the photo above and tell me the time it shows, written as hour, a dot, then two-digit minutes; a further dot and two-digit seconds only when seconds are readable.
1.36.05
